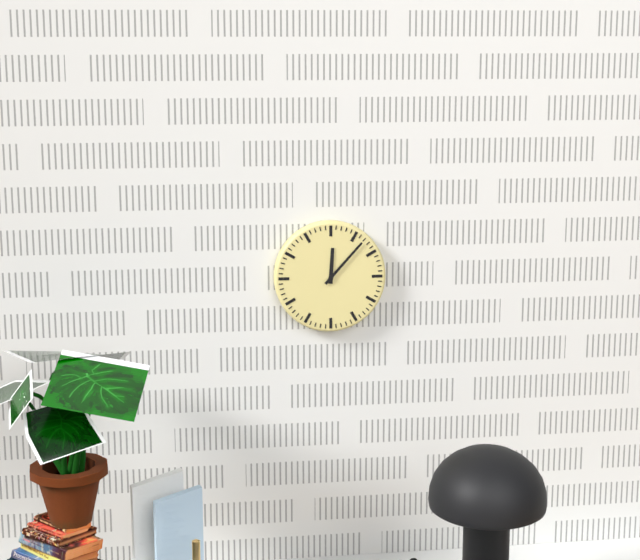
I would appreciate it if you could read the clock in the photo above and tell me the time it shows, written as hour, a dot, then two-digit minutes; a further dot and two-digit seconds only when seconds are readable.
12.07
